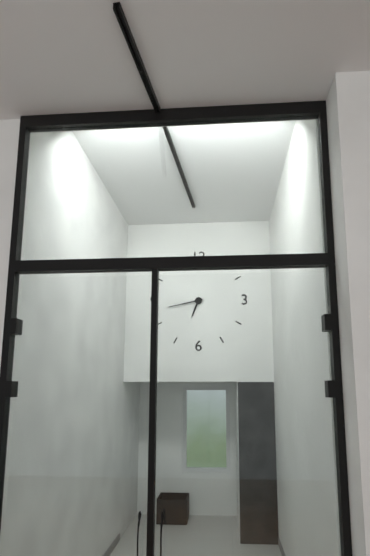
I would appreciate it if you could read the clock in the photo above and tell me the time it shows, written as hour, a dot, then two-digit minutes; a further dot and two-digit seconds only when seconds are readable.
6.43
